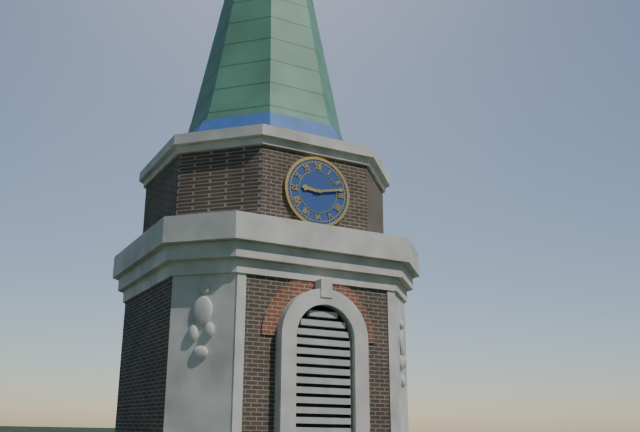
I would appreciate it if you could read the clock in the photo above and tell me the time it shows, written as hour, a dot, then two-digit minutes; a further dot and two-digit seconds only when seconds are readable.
9.13
